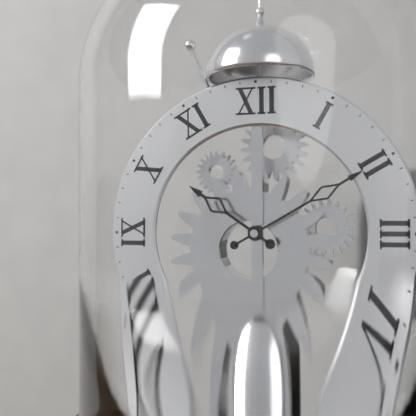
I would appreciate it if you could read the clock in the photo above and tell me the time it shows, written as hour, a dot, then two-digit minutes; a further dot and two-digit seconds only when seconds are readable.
10.10
